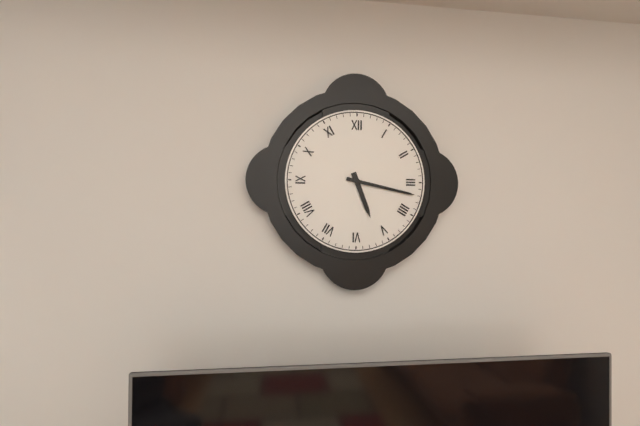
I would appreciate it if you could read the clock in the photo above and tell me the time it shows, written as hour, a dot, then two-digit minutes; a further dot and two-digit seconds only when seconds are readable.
5.17
